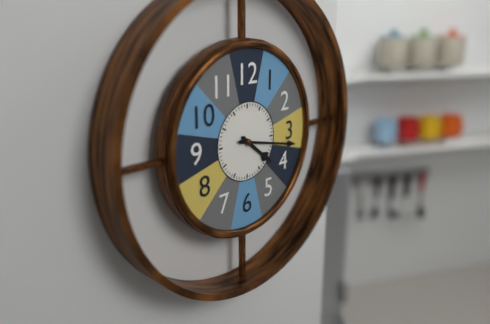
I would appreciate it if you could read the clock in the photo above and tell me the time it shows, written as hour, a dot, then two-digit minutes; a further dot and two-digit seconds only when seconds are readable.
4.17
